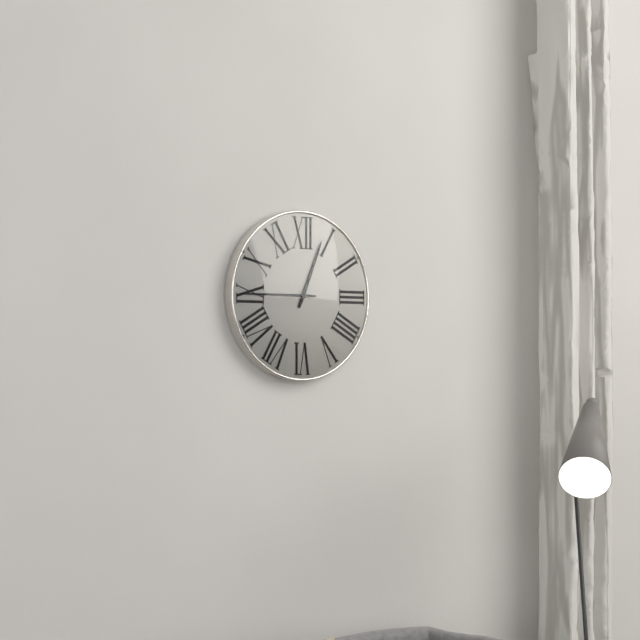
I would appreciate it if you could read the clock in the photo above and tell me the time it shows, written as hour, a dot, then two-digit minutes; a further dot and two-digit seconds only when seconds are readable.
12.45
